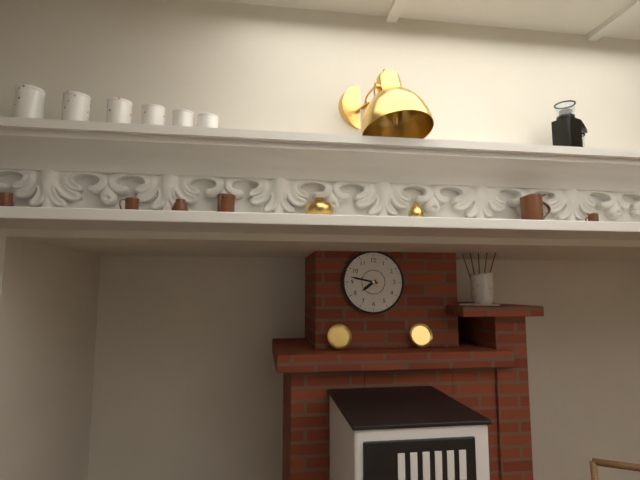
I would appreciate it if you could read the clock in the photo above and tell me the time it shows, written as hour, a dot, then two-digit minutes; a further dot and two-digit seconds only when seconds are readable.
7.47
